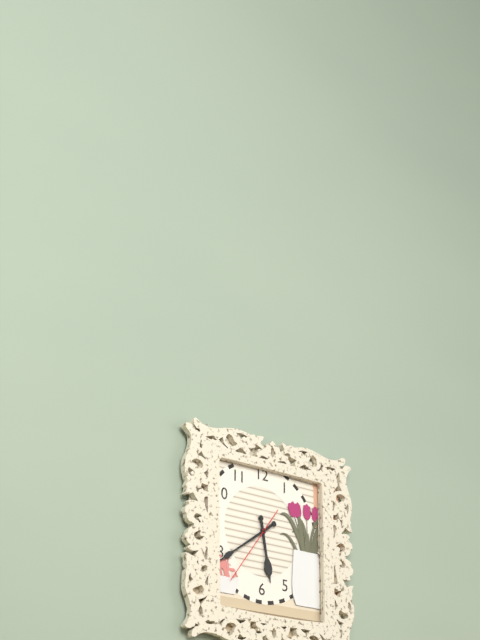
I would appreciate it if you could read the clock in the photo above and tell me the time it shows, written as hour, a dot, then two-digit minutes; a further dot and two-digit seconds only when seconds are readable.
5.39.36
